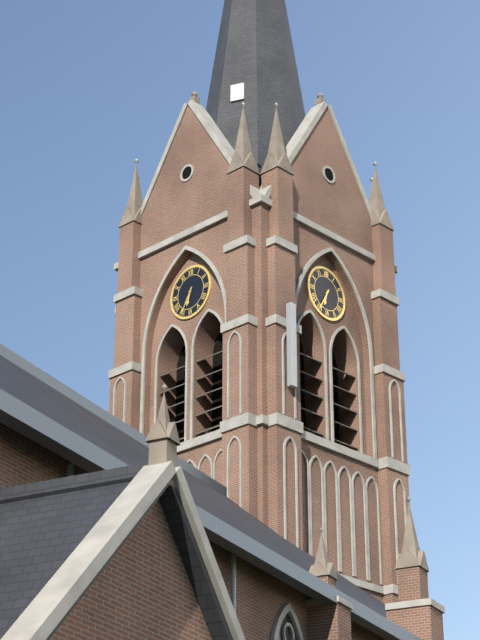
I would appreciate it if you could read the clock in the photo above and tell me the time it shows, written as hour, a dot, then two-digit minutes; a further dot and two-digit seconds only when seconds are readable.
6.35
